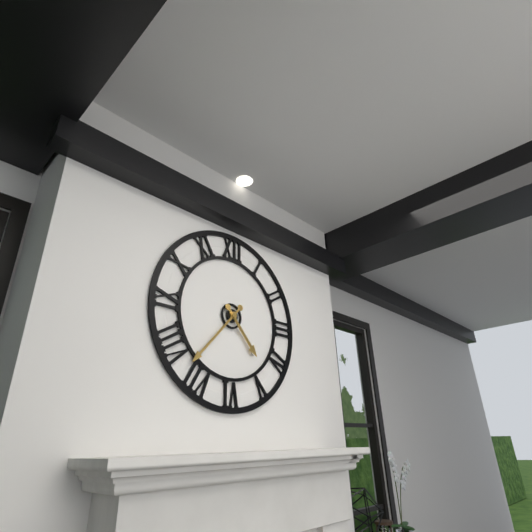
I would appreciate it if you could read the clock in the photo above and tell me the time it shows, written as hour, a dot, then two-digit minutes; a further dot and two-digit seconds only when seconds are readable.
4.37
